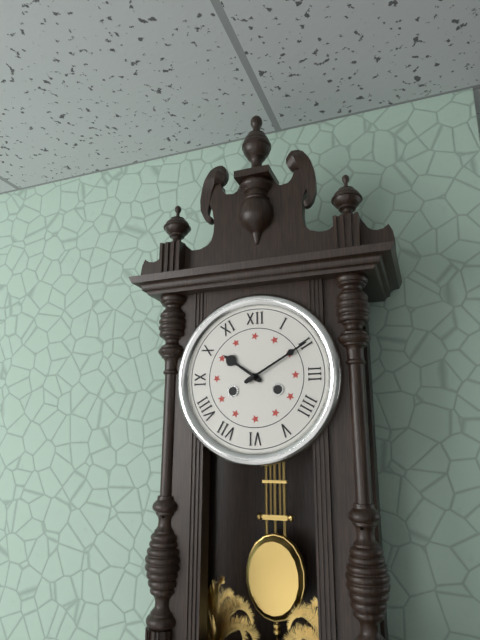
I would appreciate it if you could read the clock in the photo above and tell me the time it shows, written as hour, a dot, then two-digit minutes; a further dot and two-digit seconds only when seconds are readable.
10.10
